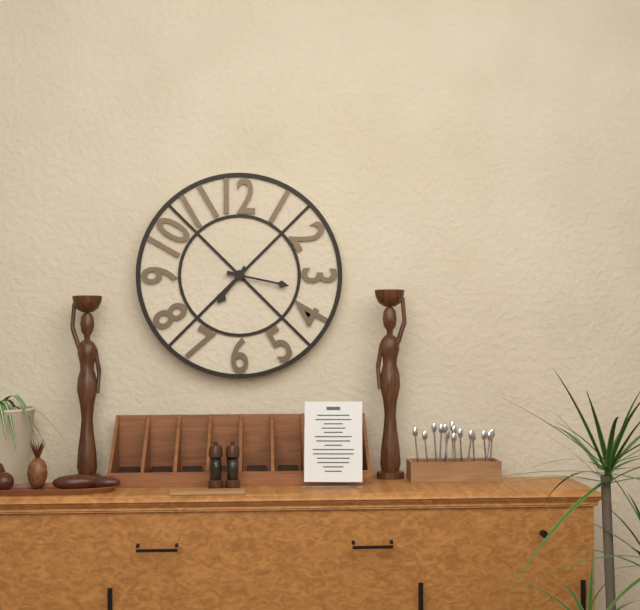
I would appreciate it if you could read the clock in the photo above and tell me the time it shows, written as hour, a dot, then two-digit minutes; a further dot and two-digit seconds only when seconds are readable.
7.17
